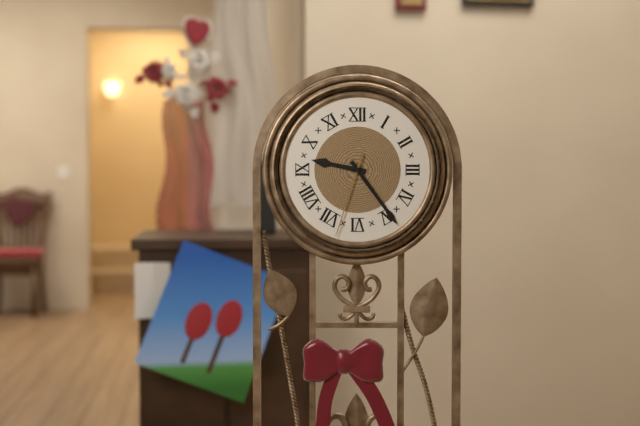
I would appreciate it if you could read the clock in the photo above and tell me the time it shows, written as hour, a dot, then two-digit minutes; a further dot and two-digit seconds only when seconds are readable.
9.24.33
